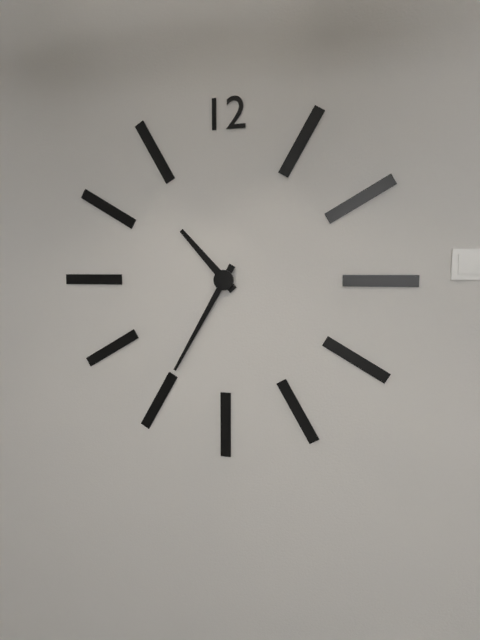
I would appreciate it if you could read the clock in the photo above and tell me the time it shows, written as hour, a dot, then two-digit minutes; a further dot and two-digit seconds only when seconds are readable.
10.35
